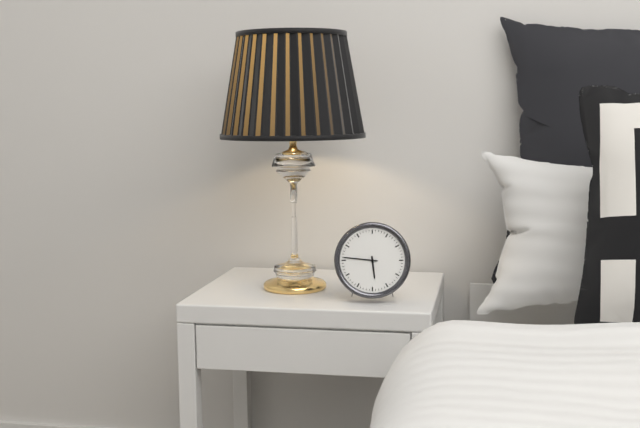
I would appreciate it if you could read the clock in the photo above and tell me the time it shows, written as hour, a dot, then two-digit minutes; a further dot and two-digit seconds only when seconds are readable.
5.46
